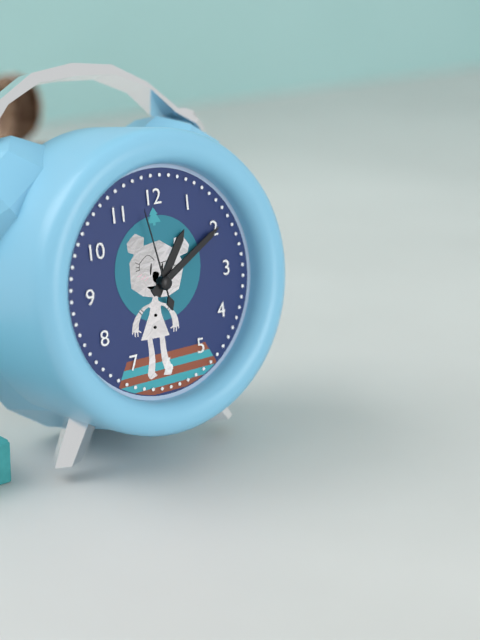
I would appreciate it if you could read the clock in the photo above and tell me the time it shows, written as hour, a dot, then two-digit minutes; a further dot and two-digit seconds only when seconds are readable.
1.10.58
